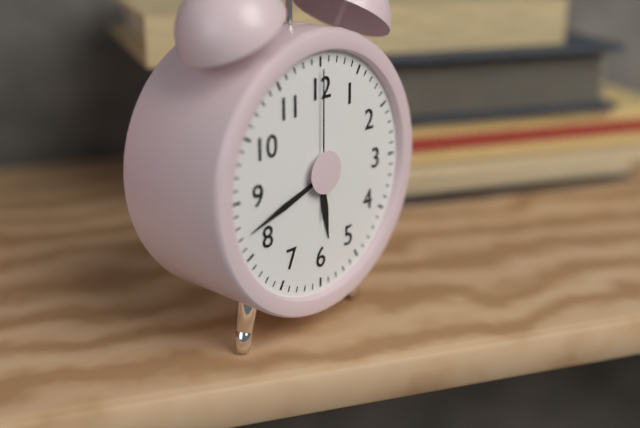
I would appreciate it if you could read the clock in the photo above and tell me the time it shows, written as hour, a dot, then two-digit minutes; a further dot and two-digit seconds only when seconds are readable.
5.42.00
